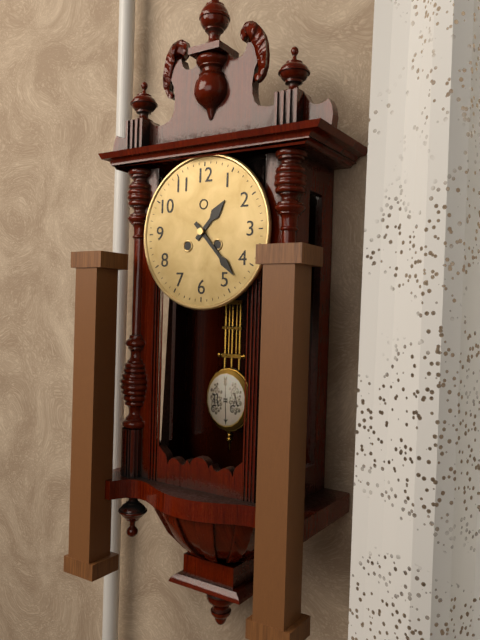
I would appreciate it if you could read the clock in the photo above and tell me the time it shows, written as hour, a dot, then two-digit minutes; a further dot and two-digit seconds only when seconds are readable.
1.23
